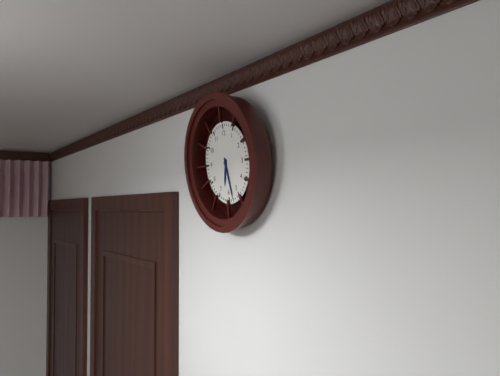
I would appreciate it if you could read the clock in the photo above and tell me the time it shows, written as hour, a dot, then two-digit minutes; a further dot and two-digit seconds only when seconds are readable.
6.28
